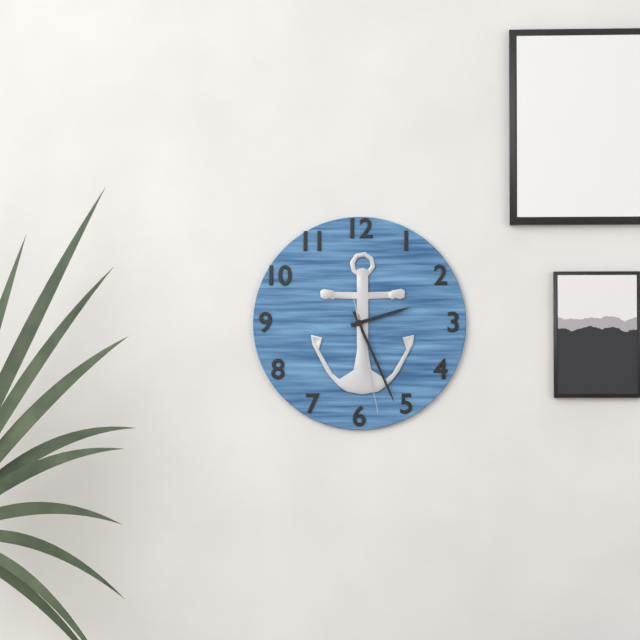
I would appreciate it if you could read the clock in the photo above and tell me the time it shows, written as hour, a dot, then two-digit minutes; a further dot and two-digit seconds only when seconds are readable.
2.26.28
